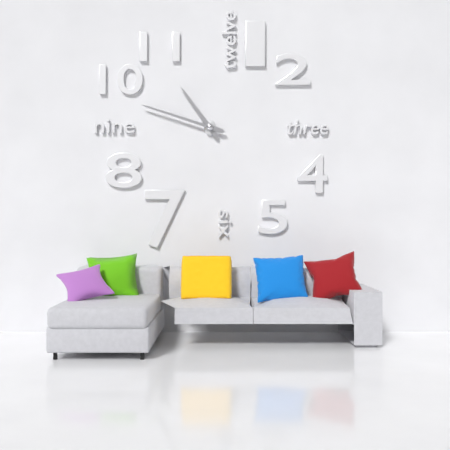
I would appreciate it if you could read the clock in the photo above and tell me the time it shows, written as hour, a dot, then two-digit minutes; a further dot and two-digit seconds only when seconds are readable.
10.48
